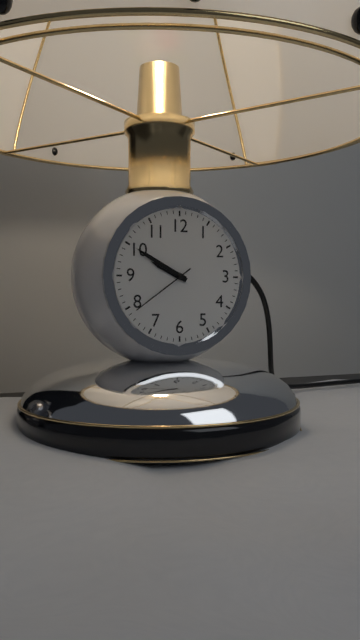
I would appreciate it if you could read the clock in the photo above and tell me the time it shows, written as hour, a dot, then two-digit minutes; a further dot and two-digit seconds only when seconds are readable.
9.50.39
